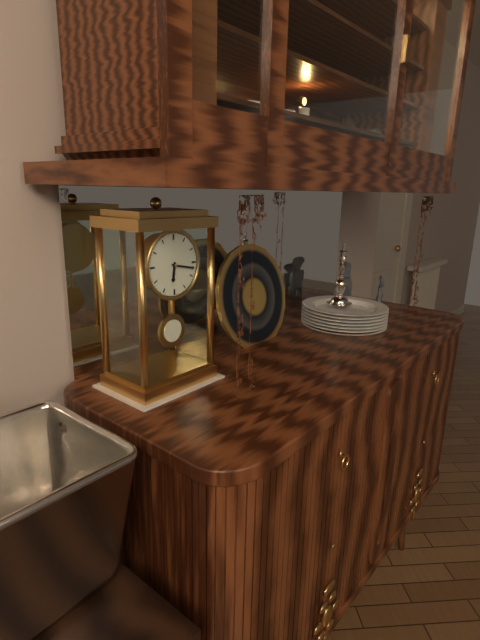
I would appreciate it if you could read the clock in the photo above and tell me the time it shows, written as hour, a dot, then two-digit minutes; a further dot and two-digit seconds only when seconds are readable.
6.17
